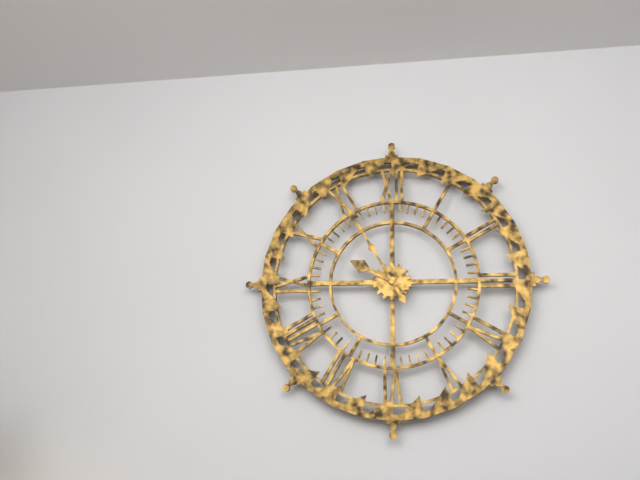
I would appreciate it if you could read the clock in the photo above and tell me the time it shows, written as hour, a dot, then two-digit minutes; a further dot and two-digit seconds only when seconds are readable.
9.55
